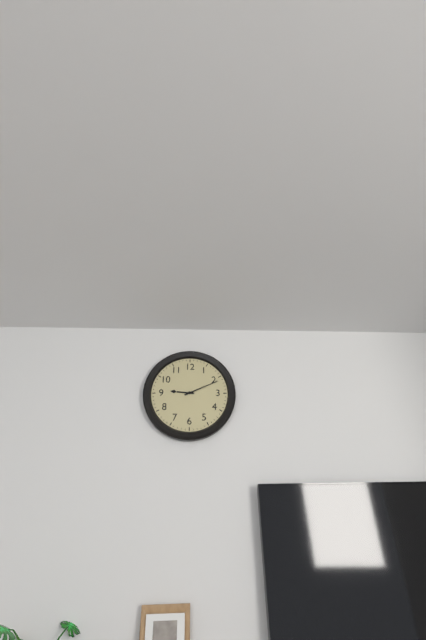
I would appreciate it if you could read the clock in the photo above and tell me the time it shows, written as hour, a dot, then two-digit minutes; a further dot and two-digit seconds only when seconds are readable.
9.11
